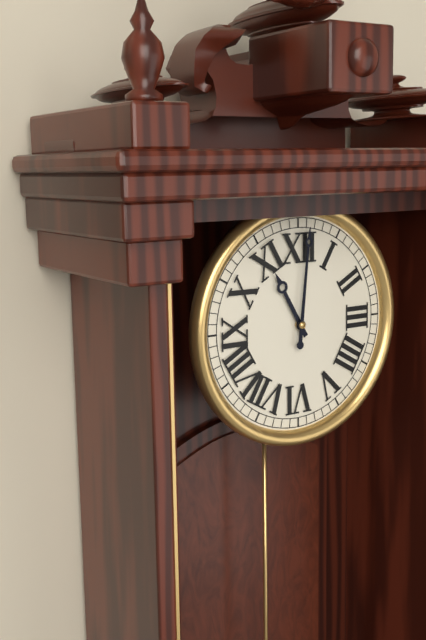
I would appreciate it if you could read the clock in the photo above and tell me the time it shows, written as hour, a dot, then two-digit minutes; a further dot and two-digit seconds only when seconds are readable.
11.01
